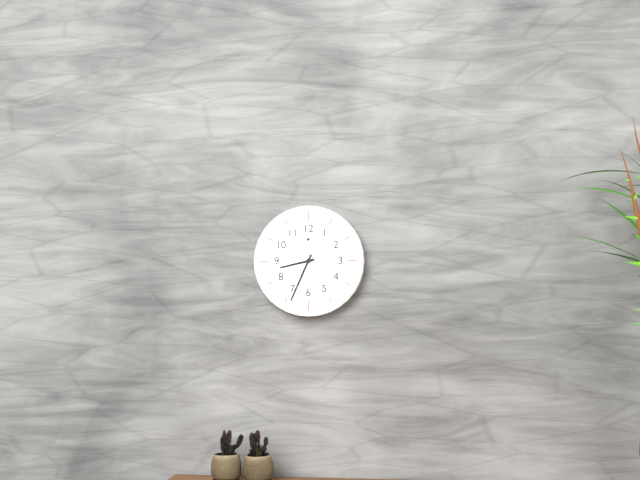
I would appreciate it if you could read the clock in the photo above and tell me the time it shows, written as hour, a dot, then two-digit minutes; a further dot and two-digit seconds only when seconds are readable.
8.34
